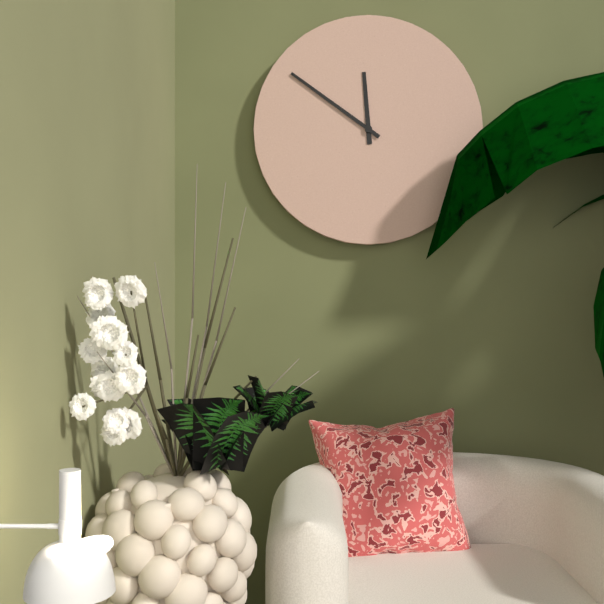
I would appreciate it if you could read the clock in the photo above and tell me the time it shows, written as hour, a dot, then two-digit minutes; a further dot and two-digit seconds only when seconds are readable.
11.51
